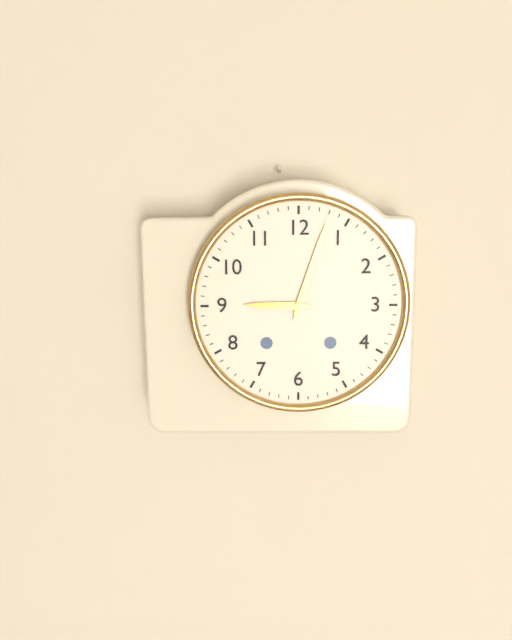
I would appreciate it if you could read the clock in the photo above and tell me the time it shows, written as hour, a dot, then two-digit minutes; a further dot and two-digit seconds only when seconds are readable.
9.03
